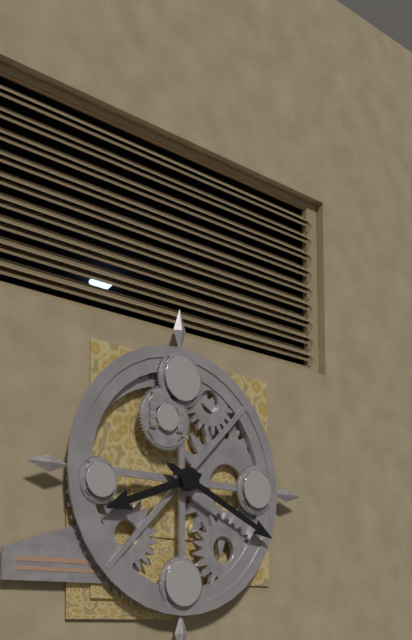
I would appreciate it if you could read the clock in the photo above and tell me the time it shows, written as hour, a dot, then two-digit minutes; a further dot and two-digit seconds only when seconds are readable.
8.19
